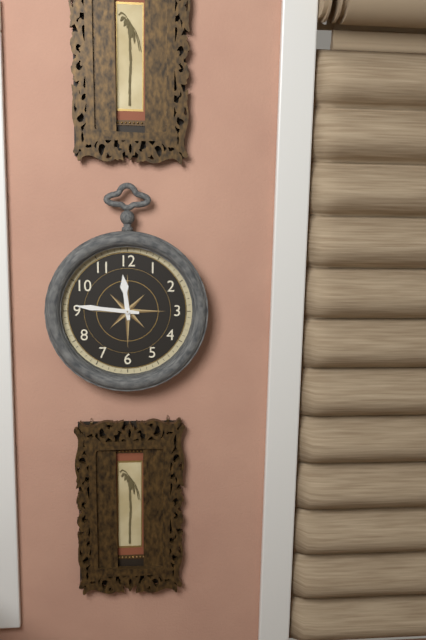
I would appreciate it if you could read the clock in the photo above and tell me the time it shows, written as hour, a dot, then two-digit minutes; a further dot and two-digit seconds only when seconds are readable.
11.46
